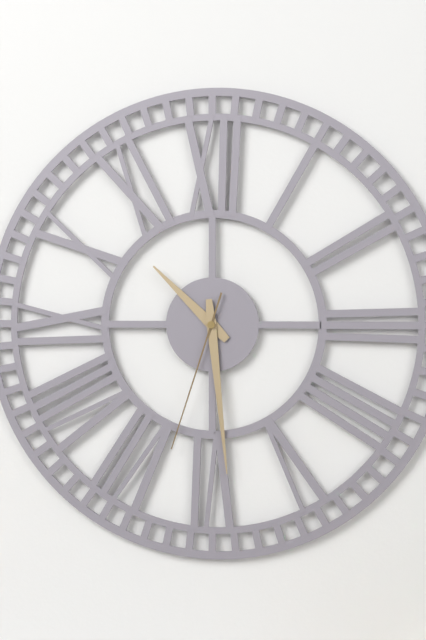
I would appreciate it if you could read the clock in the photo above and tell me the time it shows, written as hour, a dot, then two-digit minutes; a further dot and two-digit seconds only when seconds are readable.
10.29.33
